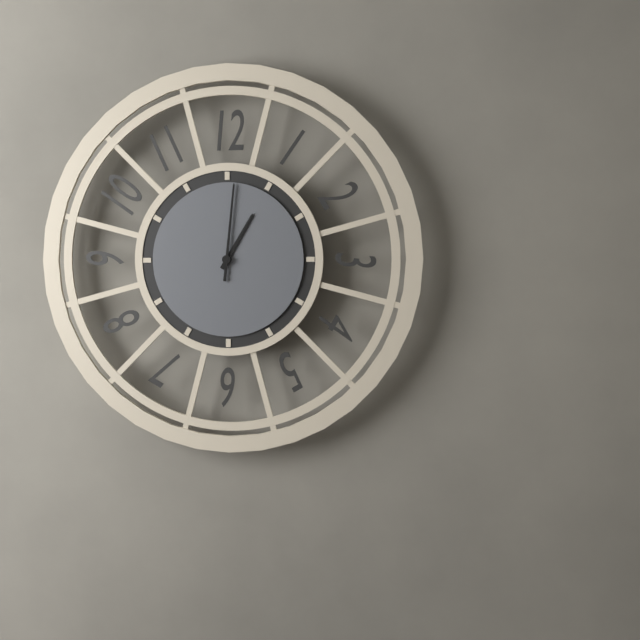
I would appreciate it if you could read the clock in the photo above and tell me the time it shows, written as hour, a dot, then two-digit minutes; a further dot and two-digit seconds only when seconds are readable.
1.01
